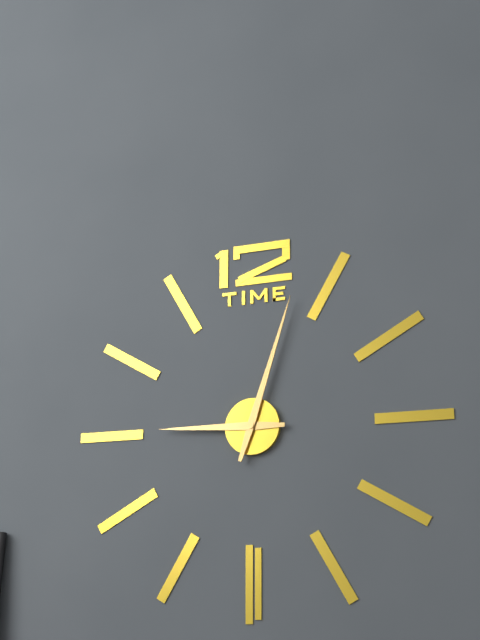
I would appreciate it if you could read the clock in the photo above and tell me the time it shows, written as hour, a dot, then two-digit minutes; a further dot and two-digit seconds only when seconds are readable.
9.03
